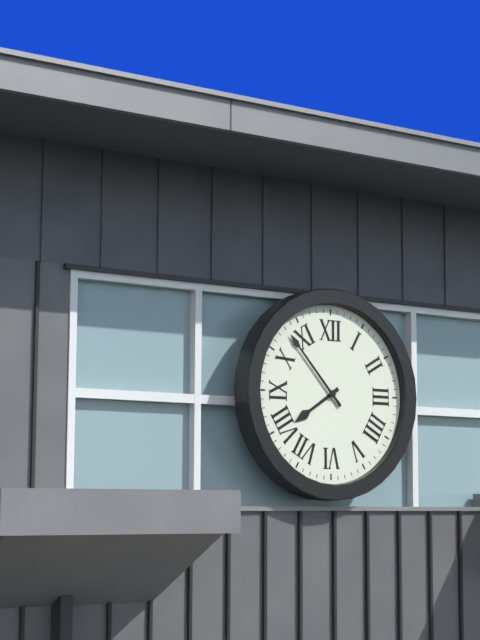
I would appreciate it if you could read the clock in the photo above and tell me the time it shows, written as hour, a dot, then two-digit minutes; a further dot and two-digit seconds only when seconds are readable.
7.53
